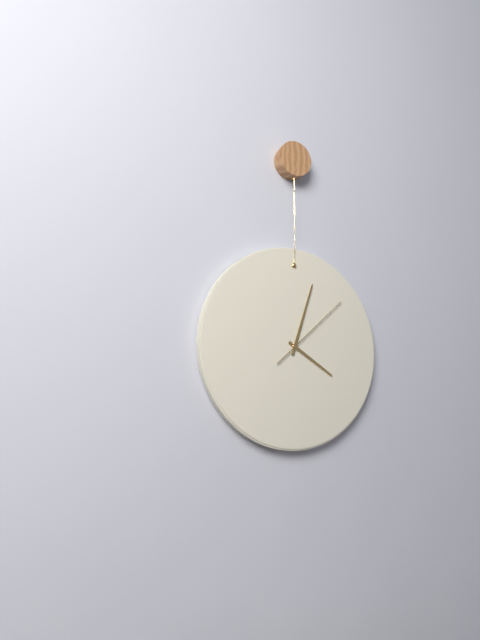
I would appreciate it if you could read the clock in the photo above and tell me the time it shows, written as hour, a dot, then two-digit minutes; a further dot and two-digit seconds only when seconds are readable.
4.03.08
